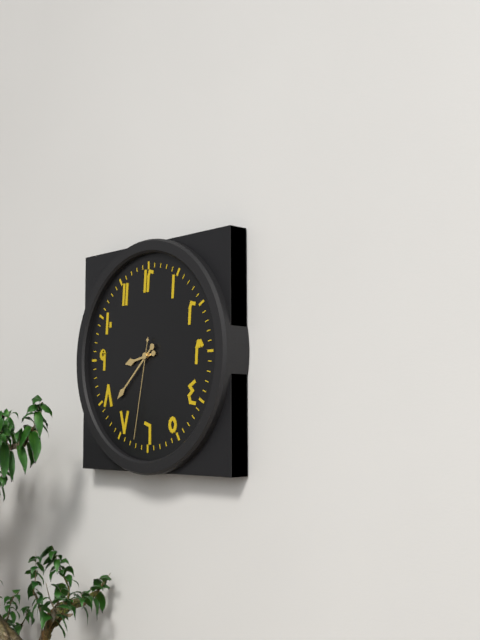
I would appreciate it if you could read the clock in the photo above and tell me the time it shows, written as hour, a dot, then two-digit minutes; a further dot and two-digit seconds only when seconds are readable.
8.38.32
